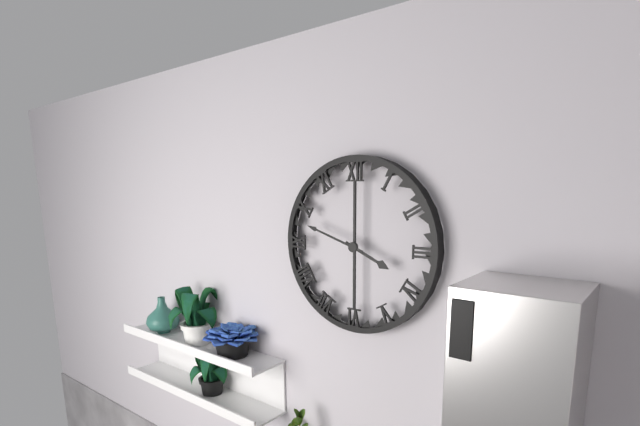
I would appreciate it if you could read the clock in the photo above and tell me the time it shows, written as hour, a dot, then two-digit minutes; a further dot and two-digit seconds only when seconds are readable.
3.48
